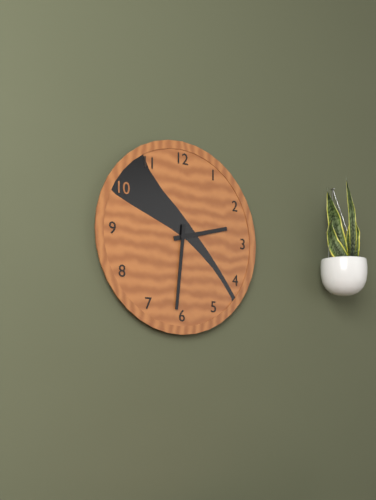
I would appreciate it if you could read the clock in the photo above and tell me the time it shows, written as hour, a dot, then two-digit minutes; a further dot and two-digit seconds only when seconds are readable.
2.31
